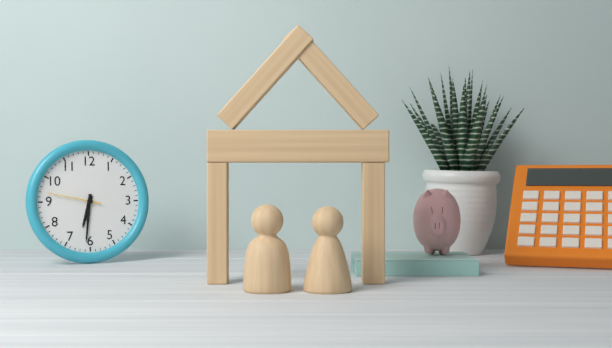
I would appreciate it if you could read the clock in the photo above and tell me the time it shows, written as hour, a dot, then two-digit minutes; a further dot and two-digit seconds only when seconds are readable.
6.31.47
